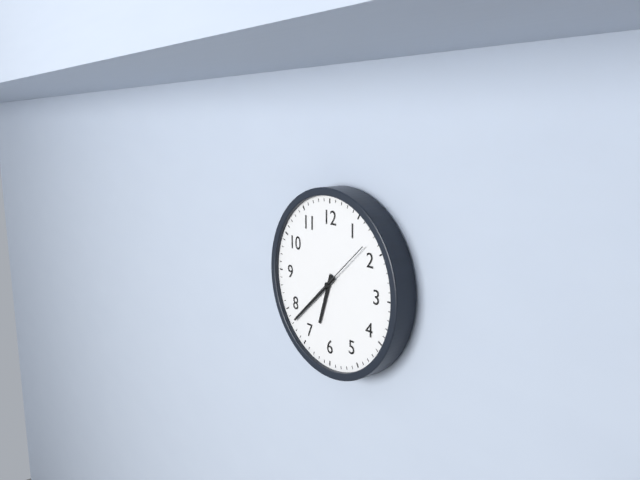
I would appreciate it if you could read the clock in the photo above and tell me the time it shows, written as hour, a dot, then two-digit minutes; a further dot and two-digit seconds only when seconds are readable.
6.38.08
